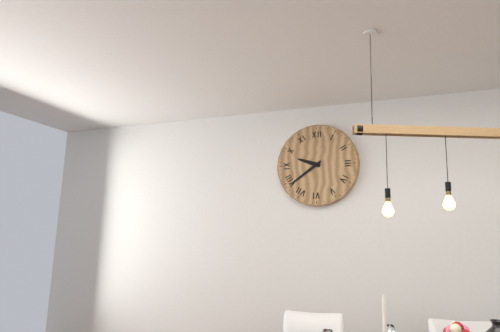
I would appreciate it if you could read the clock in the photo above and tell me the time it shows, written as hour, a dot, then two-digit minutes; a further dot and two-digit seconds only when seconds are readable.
9.39
